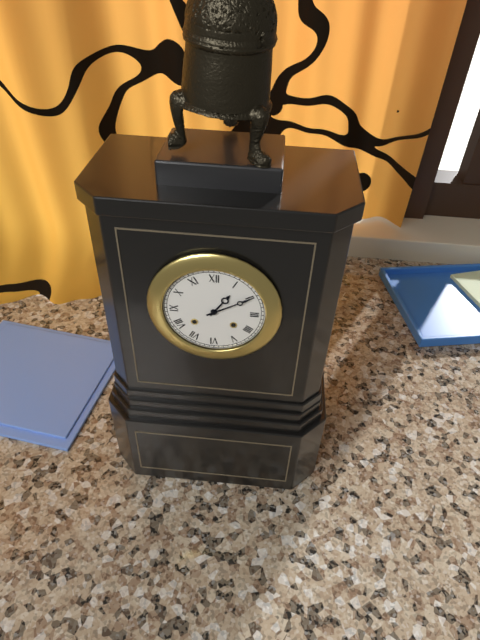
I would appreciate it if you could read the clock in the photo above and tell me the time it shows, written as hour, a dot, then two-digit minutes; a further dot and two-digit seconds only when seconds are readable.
1.10
